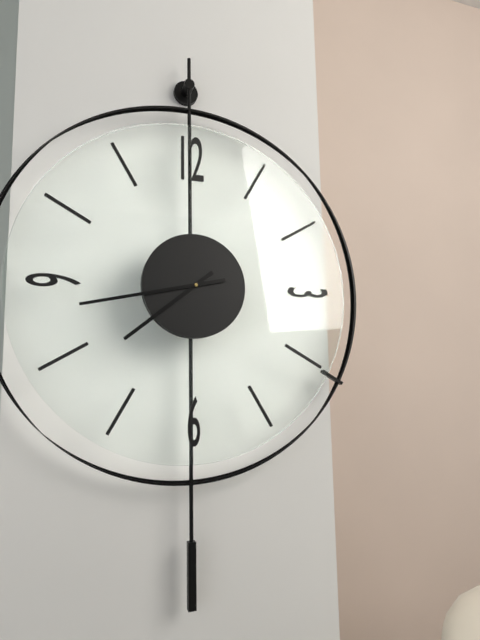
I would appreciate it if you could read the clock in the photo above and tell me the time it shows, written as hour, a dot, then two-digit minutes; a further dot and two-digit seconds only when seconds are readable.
7.43
